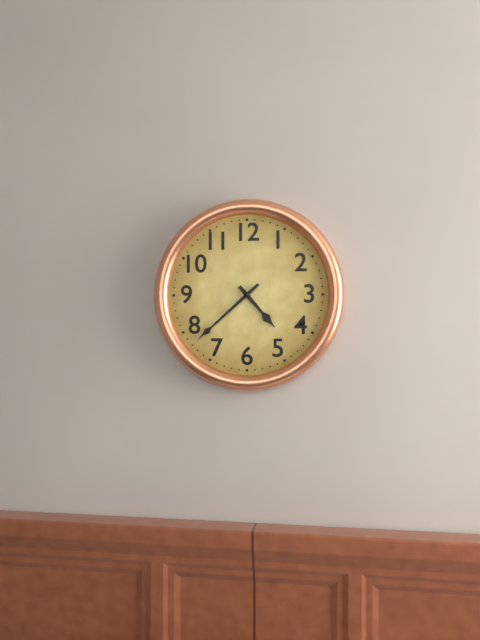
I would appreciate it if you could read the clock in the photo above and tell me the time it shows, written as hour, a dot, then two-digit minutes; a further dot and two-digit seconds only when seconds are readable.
4.38
